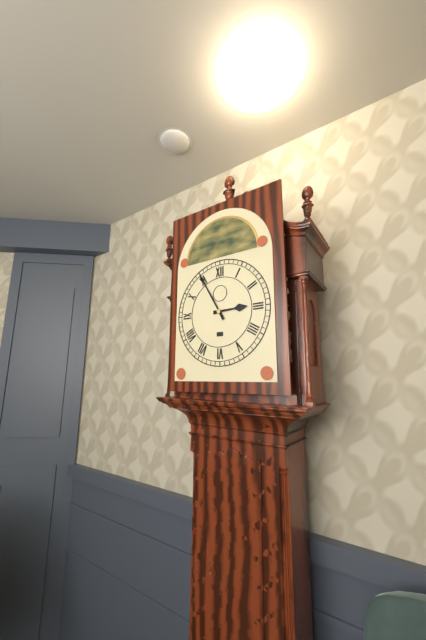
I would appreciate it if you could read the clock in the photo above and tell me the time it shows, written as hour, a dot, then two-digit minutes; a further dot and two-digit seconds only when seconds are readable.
2.55
